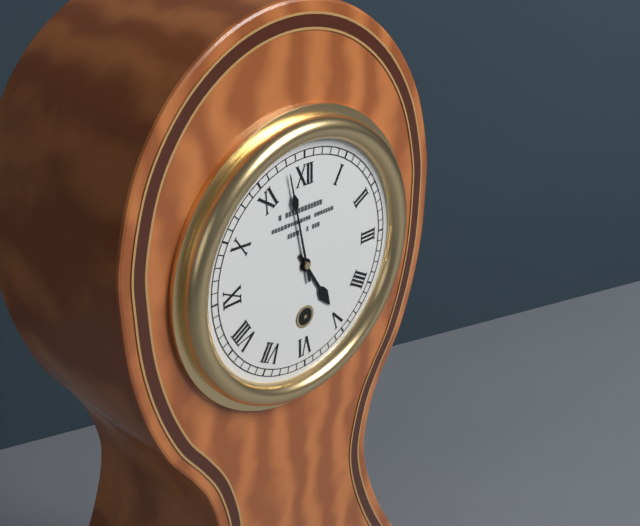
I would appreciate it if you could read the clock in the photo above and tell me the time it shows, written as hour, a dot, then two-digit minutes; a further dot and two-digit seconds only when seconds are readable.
4.58
